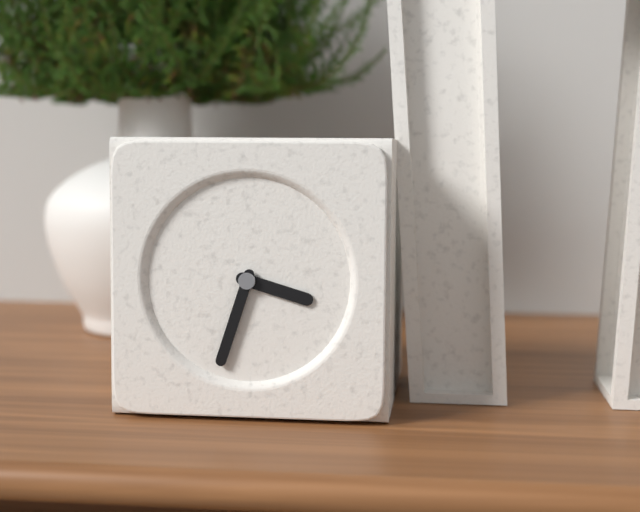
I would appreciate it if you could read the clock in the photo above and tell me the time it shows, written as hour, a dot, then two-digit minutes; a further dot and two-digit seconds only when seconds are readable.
3.33
